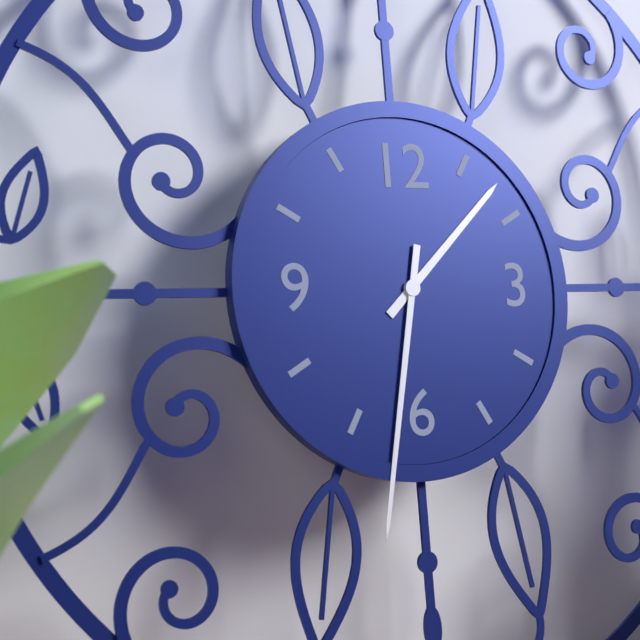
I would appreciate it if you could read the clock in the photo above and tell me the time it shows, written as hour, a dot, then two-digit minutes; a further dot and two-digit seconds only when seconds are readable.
1.32
